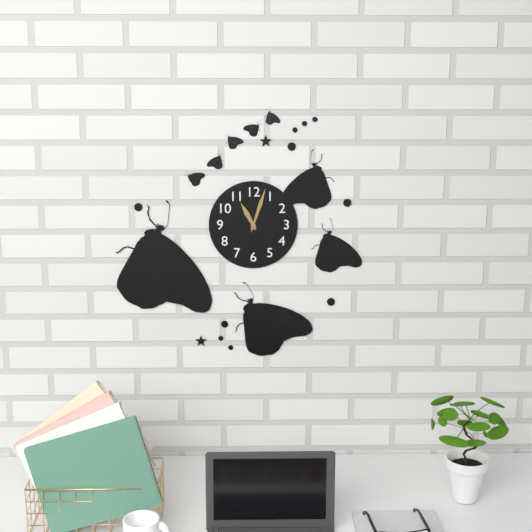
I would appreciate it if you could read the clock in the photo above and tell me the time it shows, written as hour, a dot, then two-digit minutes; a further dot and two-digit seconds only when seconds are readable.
11.03
